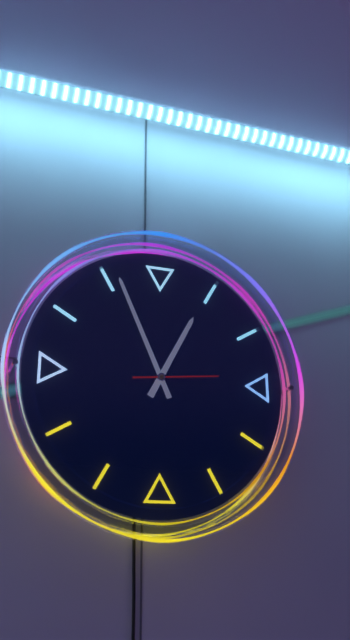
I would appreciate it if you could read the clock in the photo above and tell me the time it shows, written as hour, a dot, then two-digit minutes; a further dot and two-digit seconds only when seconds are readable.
12.56.14
